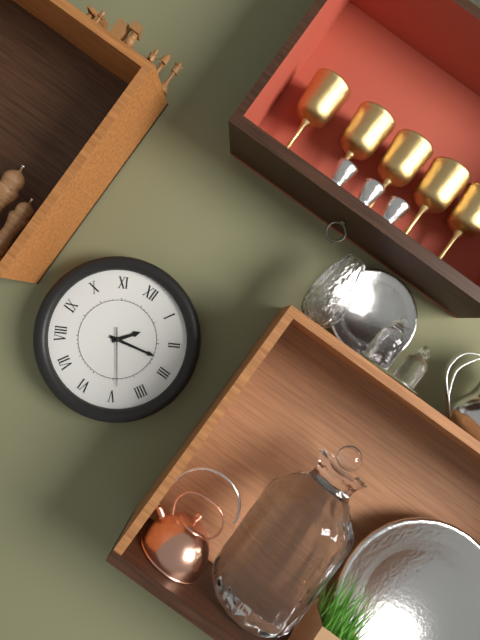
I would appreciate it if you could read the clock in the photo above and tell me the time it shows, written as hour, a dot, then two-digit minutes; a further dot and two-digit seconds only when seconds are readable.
1.13.24
